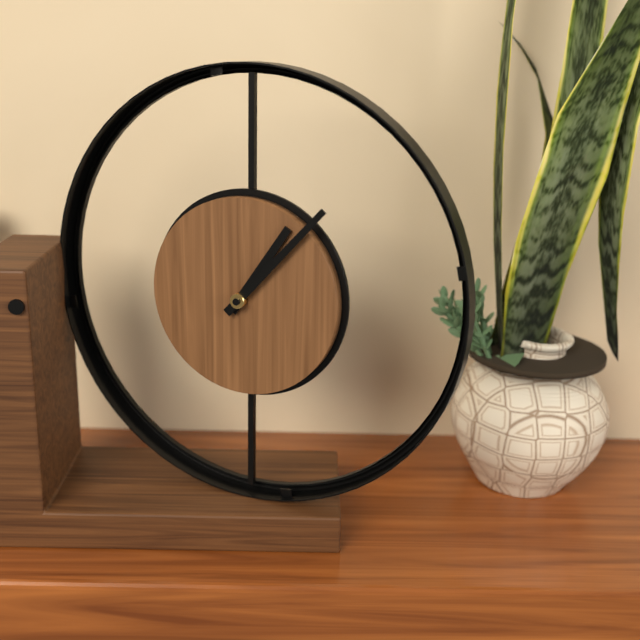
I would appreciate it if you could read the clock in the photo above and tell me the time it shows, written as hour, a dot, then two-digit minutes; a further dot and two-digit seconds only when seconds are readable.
1.07
